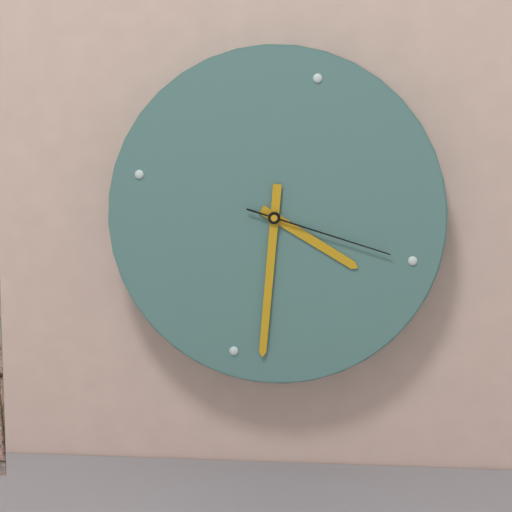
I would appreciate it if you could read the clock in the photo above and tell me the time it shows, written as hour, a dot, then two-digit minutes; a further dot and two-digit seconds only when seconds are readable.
3.28.15
